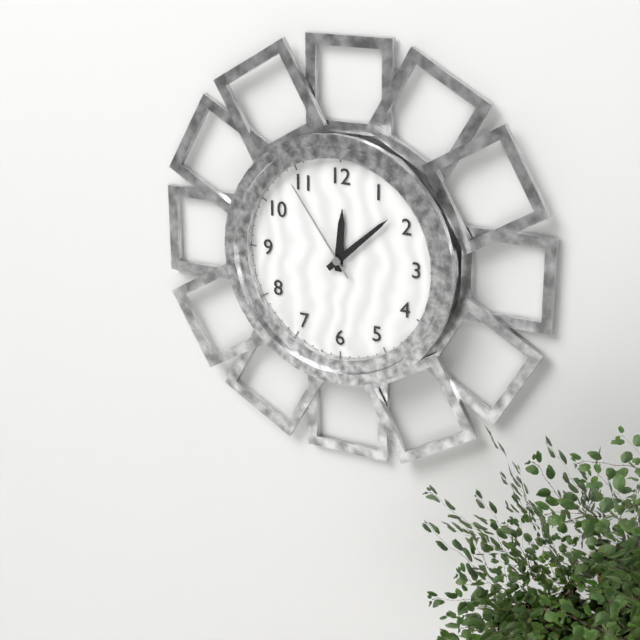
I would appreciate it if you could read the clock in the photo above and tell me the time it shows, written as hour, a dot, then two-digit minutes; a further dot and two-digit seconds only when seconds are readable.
12.08.54
